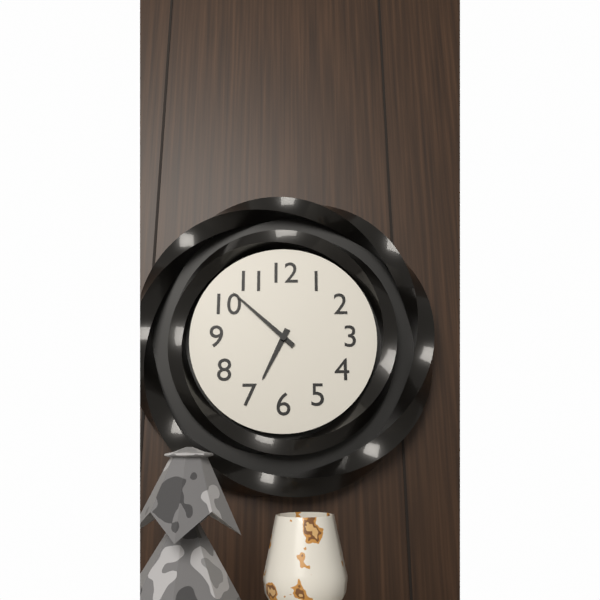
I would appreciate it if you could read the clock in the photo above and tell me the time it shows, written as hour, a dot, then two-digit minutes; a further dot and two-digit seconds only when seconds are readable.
6.52
